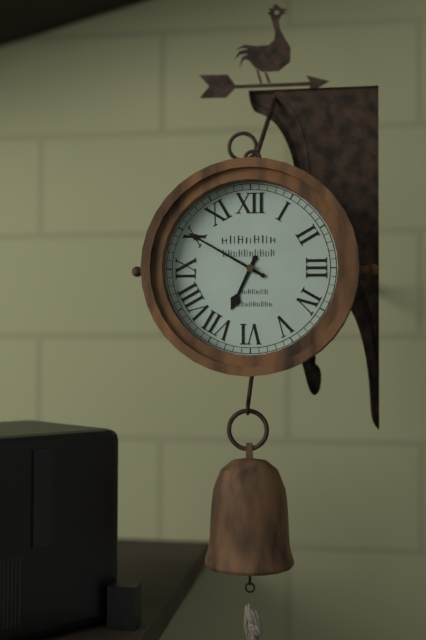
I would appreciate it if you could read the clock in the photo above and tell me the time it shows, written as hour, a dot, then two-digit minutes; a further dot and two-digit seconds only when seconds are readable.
6.50
